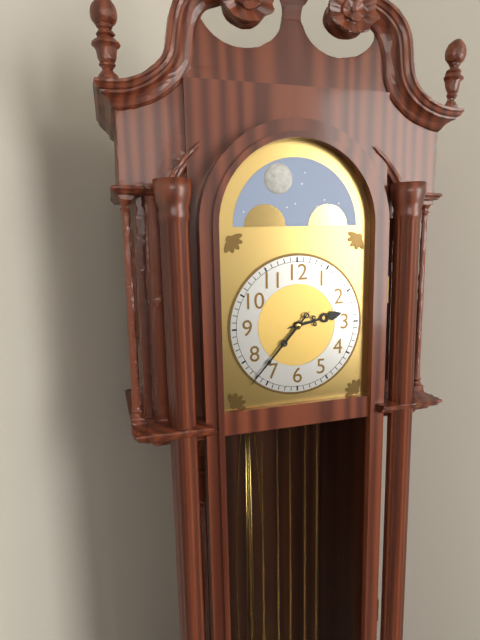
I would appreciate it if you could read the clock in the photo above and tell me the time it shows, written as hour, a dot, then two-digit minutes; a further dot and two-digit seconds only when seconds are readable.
2.37
